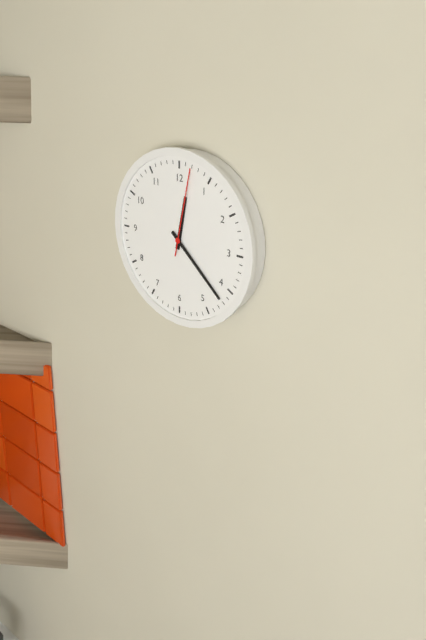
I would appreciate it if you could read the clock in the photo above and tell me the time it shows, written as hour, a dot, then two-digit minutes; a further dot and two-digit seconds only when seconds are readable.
12.22.02
